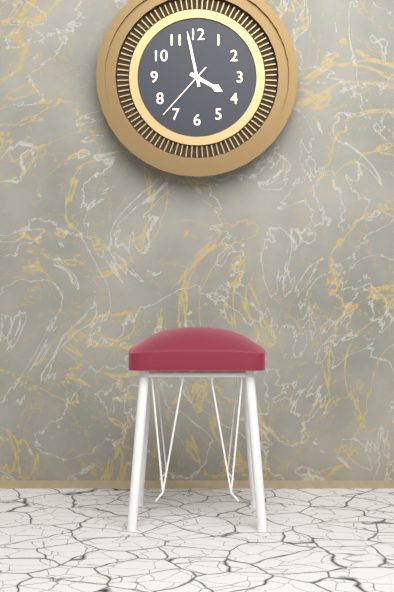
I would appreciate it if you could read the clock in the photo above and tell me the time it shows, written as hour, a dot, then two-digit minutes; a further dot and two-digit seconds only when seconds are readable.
3.58.37
